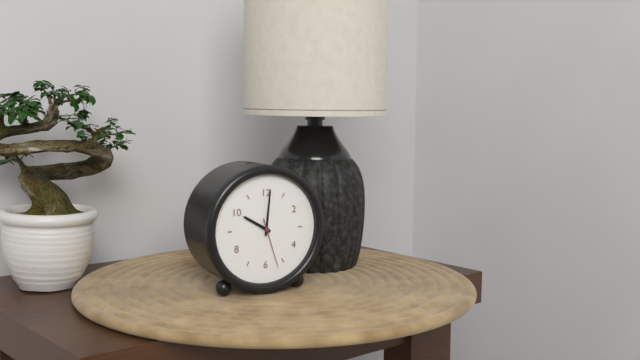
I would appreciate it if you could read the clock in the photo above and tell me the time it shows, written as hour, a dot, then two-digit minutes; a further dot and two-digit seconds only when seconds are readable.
10.01.27
